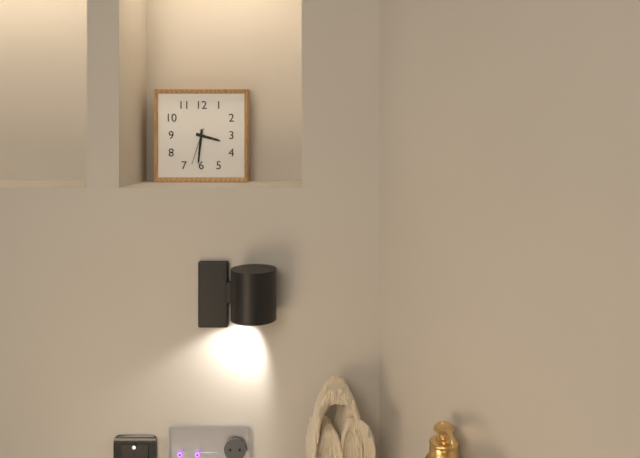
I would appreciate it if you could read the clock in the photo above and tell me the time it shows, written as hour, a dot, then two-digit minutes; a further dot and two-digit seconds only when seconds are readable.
3.31
